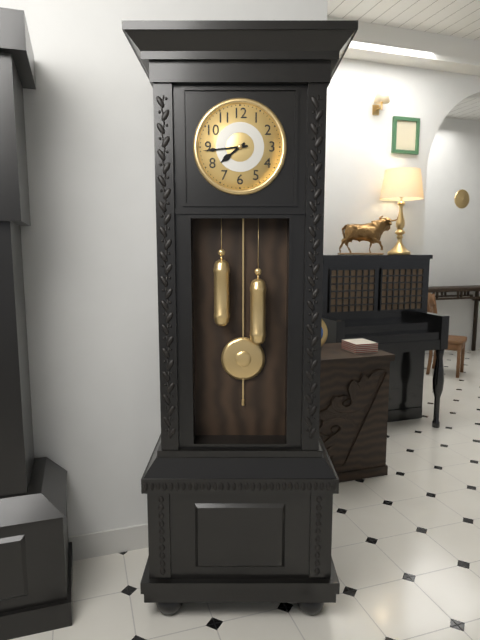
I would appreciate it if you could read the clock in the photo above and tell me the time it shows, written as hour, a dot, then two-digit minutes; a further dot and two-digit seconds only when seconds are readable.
7.44
